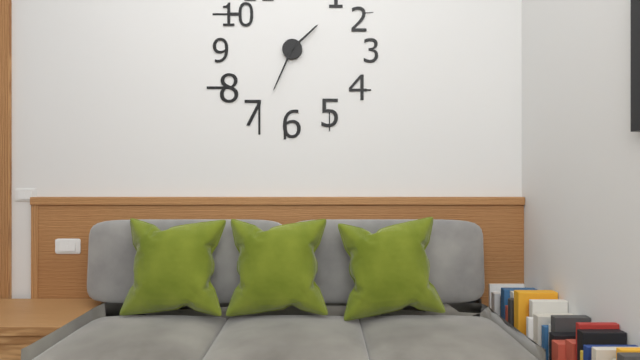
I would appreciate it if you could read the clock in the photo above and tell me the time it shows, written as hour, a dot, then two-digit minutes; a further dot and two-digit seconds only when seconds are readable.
1.34
